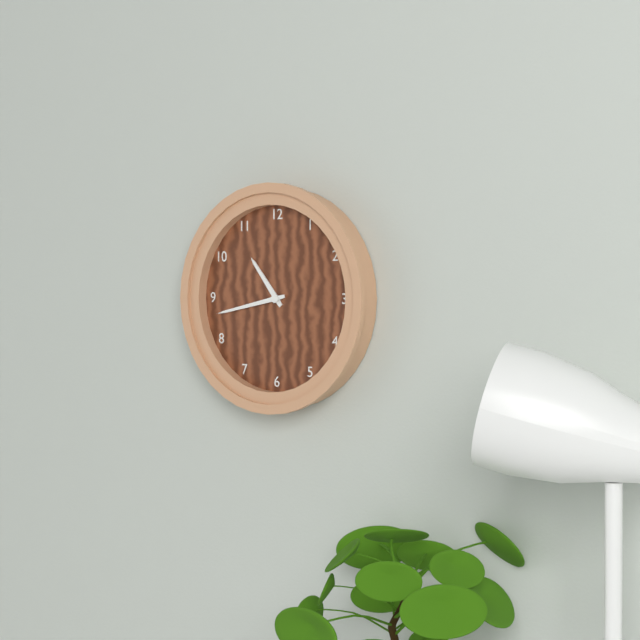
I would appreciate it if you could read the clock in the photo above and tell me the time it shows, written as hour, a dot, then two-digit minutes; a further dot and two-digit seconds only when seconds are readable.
10.43
